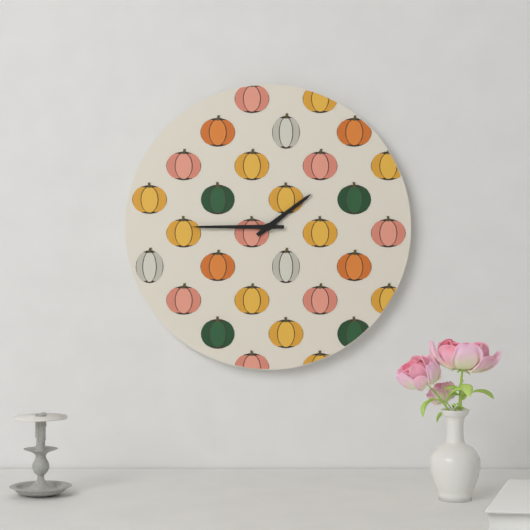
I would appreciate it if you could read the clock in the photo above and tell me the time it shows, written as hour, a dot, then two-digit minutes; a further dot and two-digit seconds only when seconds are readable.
1.45
